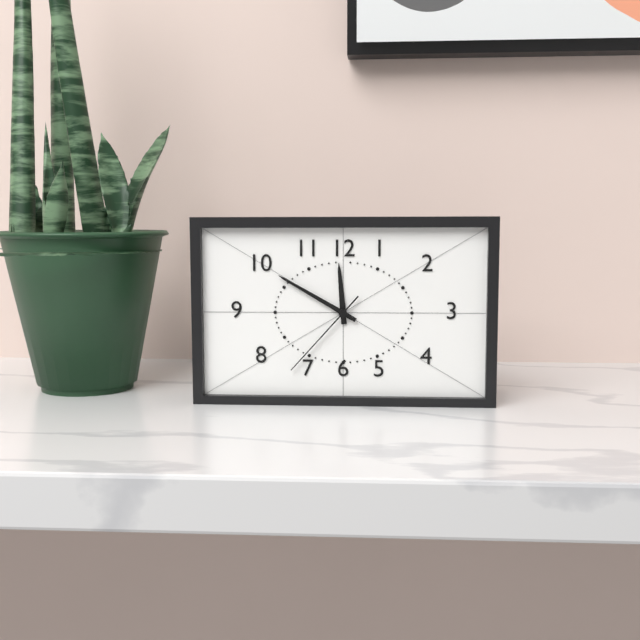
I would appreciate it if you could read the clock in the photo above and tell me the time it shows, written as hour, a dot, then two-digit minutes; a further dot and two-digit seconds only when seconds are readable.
11.50.37
